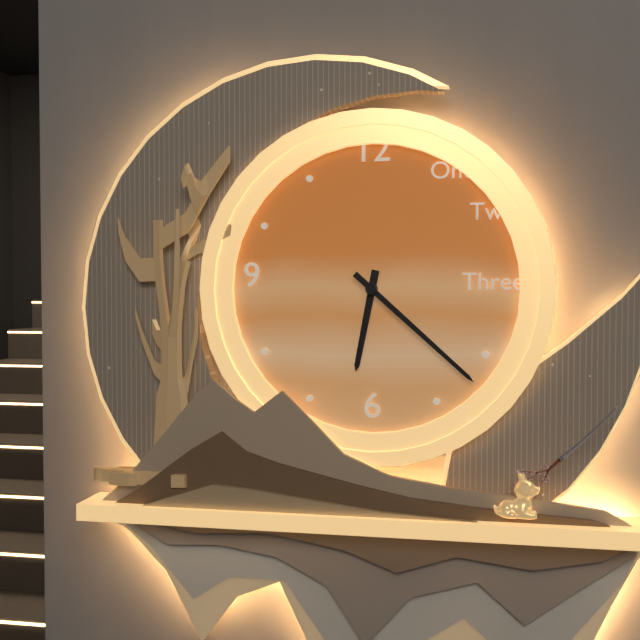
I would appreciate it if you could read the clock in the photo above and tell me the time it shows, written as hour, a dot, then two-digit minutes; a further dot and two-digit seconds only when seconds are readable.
6.22
